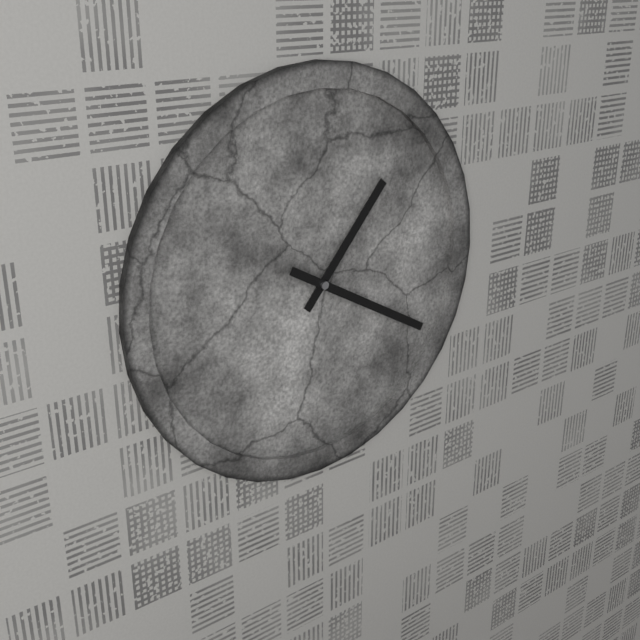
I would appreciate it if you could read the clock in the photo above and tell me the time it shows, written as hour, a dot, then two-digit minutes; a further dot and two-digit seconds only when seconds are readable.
1.20
